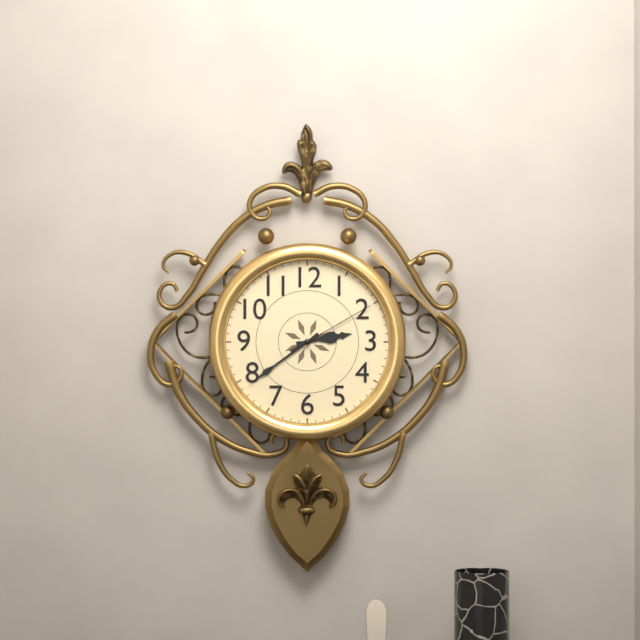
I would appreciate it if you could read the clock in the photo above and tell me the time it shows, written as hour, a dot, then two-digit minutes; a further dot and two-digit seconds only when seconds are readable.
2.39.10
